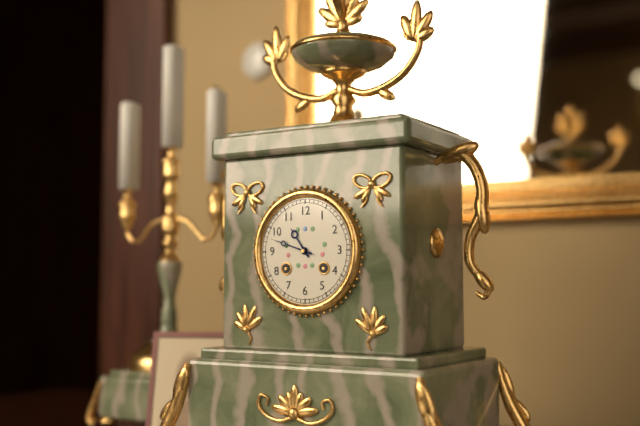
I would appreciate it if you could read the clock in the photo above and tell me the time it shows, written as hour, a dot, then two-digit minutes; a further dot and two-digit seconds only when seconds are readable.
10.48
